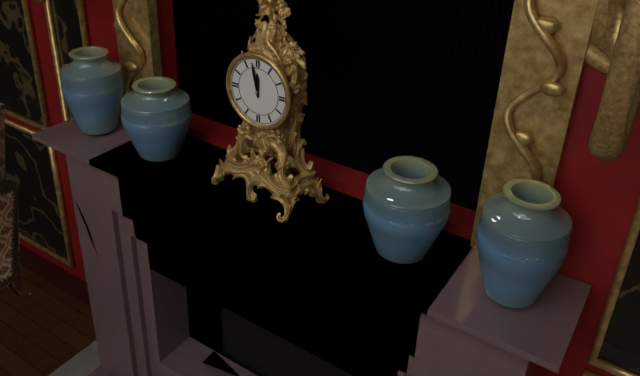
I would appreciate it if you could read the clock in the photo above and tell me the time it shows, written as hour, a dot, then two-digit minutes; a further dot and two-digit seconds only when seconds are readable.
11.58
